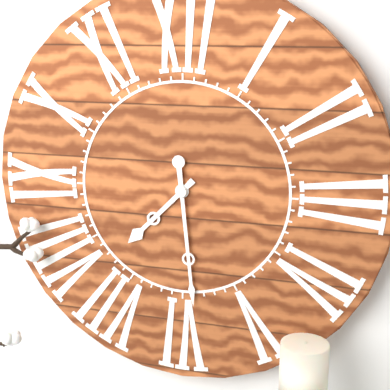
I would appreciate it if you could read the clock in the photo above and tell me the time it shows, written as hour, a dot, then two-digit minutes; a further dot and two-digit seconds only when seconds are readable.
7.29
